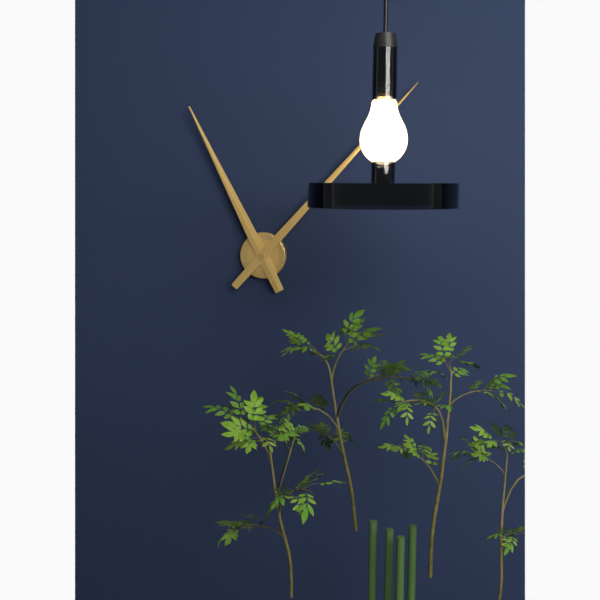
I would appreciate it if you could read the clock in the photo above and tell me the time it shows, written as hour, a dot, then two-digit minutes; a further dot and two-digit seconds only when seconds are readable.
11.07
